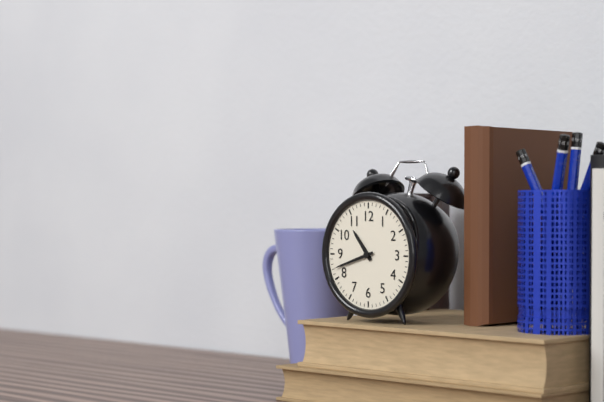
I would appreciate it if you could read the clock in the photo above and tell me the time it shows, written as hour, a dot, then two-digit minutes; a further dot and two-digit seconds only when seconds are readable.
10.42
